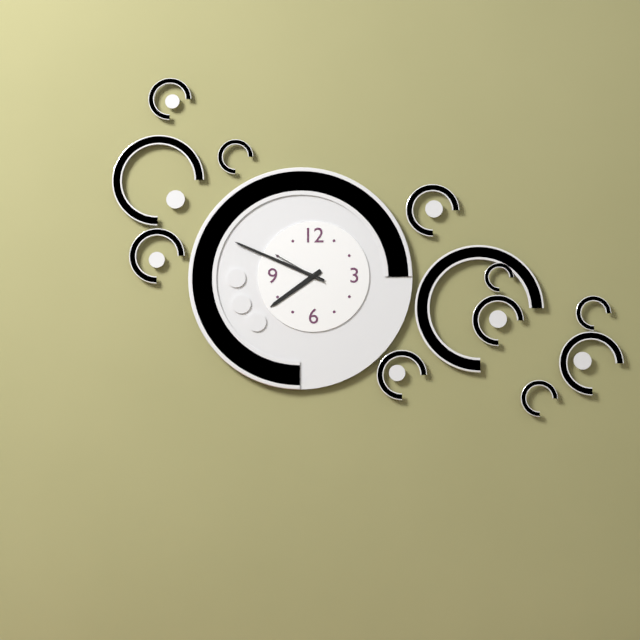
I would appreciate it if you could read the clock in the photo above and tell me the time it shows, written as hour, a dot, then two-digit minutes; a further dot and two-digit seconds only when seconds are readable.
7.49.50
